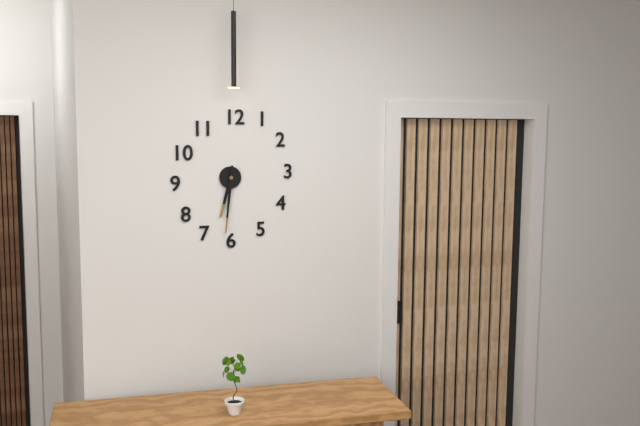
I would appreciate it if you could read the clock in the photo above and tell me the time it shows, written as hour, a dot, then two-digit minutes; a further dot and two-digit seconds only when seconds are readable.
6.31
